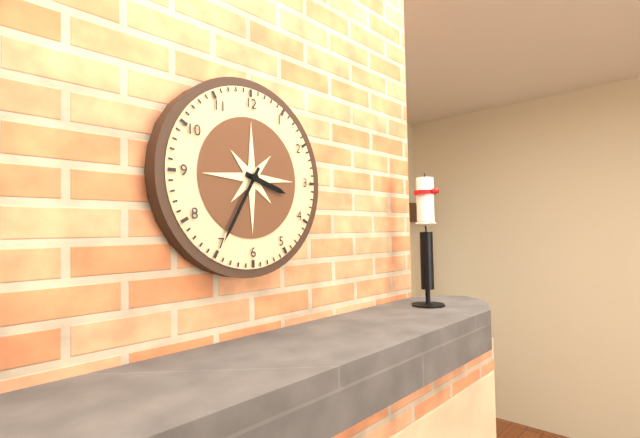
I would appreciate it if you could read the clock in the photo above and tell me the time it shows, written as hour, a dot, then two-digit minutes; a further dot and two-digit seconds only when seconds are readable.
3.35
